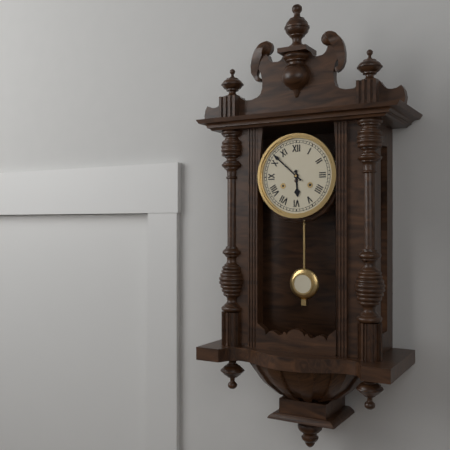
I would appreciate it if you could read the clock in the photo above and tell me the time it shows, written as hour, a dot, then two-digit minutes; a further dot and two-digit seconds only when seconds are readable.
5.52
